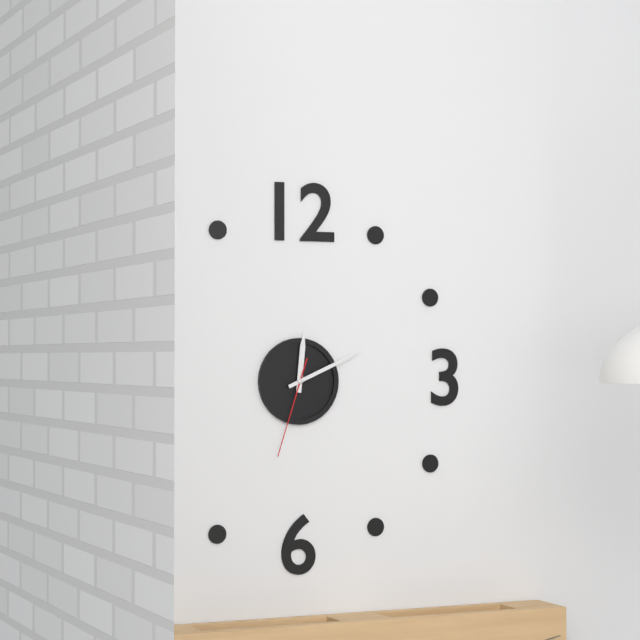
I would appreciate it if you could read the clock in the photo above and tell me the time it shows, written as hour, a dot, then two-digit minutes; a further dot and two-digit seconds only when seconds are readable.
12.11.33
